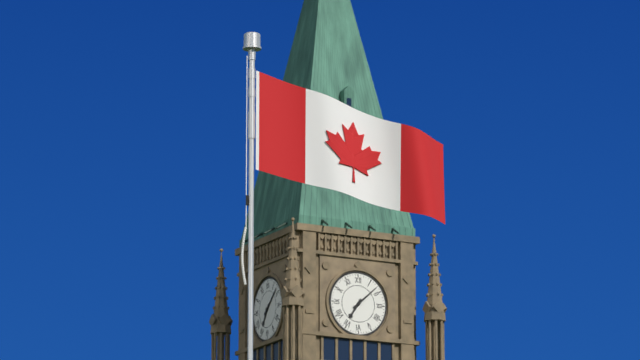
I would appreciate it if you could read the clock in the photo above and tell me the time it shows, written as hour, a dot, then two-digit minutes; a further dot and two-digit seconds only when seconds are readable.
7.08
